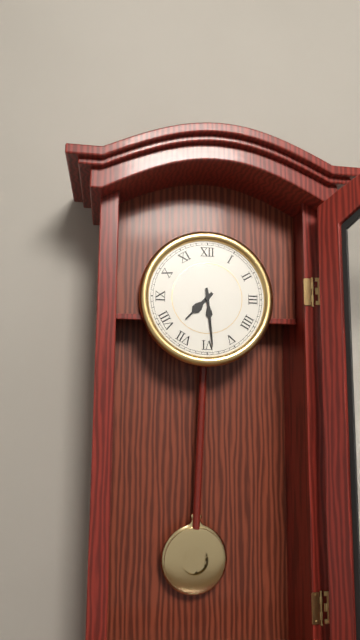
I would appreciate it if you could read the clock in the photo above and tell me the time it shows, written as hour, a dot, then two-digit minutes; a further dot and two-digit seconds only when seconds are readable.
7.29
